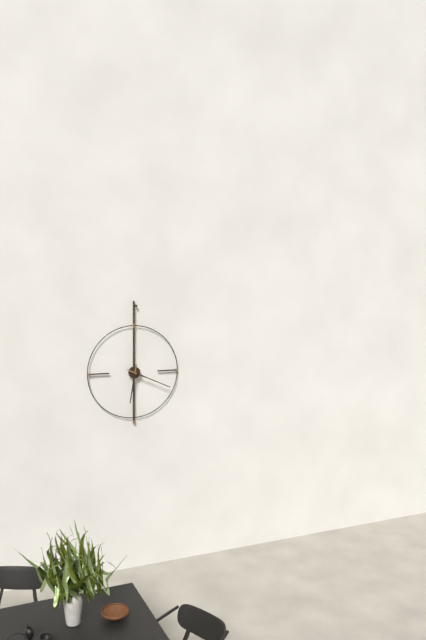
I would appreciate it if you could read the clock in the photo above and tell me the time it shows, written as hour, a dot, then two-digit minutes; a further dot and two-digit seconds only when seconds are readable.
6.19
